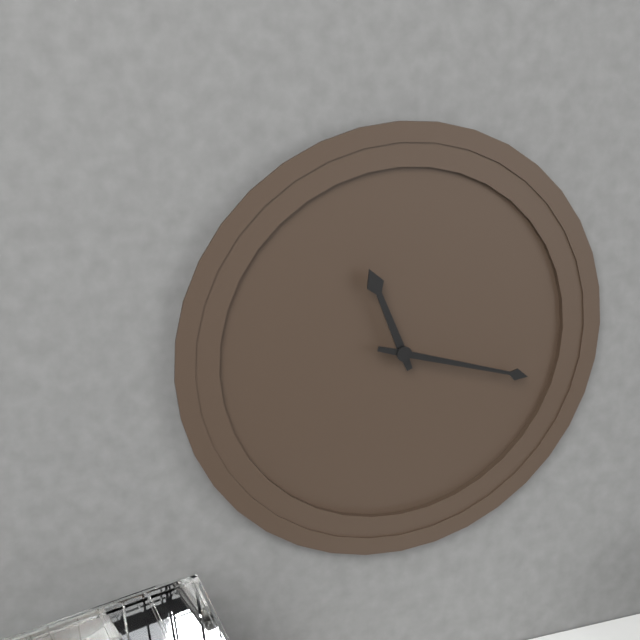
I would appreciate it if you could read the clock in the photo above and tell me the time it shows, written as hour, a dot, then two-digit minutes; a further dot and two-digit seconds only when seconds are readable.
11.18
